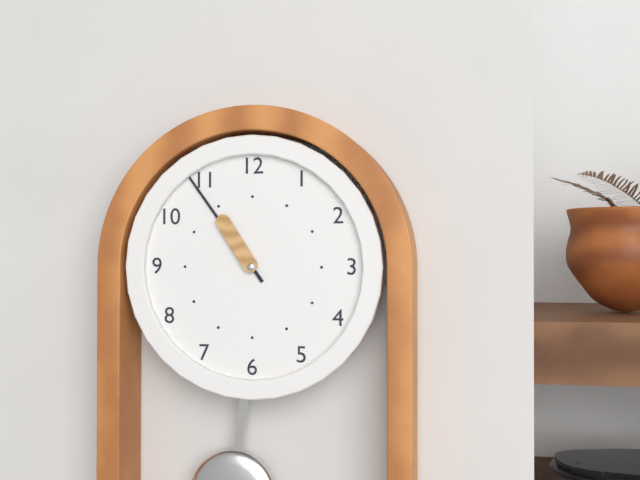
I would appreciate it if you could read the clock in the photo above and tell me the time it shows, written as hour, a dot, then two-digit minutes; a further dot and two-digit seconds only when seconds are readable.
10.54
